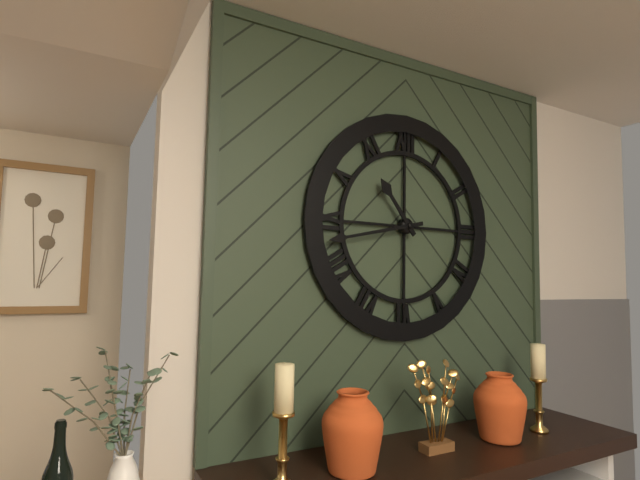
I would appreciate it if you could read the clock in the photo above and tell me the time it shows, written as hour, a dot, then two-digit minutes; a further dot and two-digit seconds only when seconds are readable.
10.43
